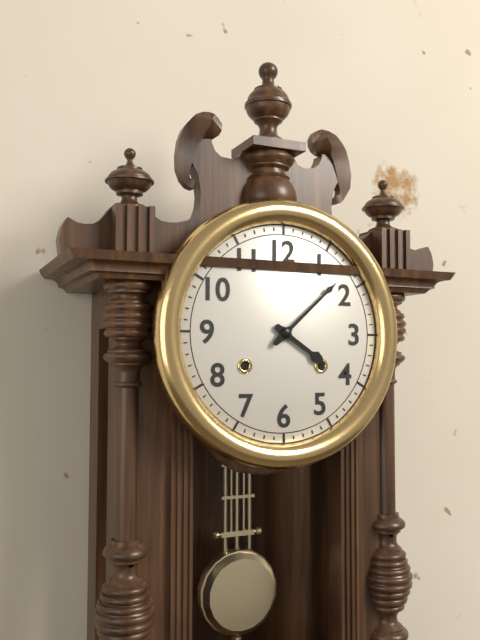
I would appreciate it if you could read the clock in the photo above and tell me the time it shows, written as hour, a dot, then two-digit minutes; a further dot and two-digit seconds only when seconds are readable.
4.08
